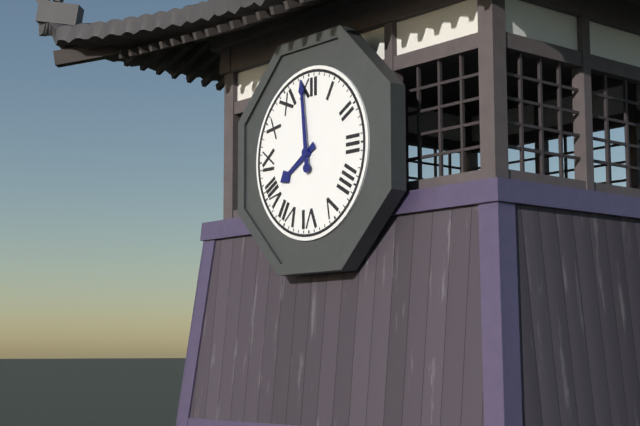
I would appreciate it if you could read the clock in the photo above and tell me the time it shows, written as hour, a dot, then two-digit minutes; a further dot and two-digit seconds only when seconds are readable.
7.59
